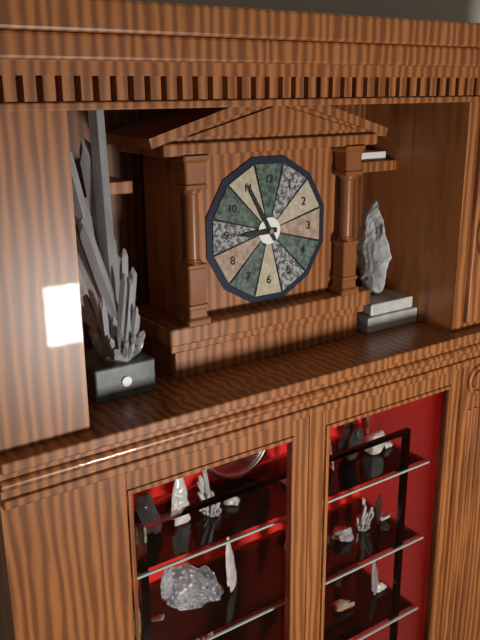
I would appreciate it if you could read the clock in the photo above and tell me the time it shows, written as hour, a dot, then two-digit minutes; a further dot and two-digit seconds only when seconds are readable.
8.55
